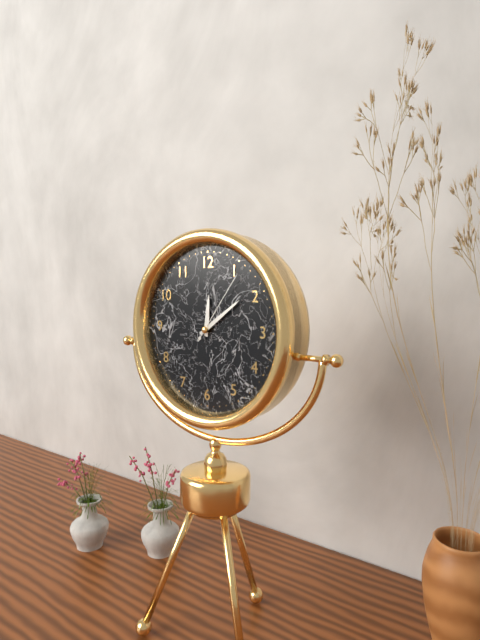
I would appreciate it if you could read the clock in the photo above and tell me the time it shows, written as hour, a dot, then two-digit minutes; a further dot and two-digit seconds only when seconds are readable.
12.09.06
